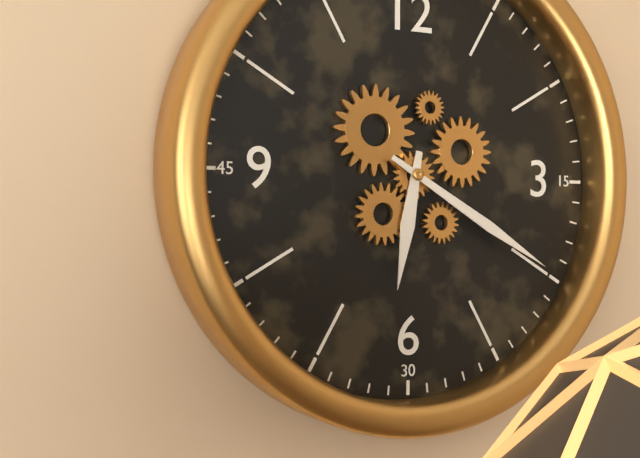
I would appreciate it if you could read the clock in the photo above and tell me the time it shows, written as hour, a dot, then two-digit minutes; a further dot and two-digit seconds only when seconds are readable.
6.20
